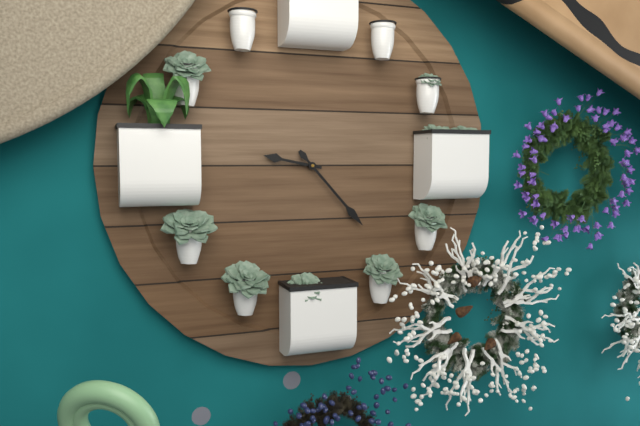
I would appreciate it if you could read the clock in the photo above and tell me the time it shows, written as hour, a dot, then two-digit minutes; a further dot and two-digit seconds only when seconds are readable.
9.23
